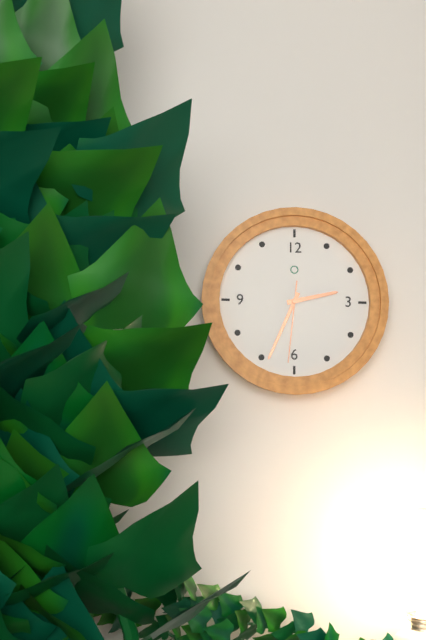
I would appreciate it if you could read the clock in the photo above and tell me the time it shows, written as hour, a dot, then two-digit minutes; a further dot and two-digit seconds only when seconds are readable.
2.34.31
